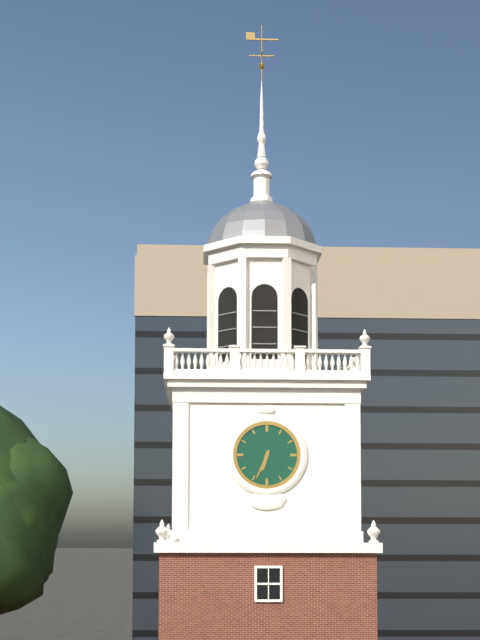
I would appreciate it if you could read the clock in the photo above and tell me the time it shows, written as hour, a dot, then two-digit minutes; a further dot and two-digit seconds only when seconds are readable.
6.34
